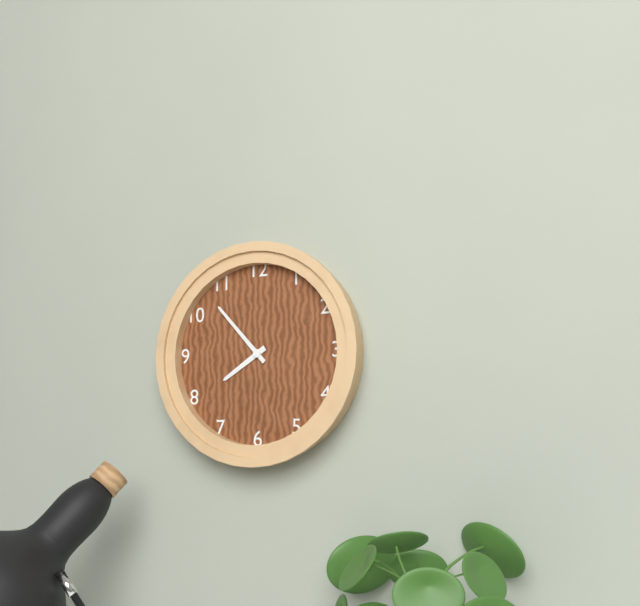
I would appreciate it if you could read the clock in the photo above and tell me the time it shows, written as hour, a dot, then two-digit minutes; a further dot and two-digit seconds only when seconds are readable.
7.53
